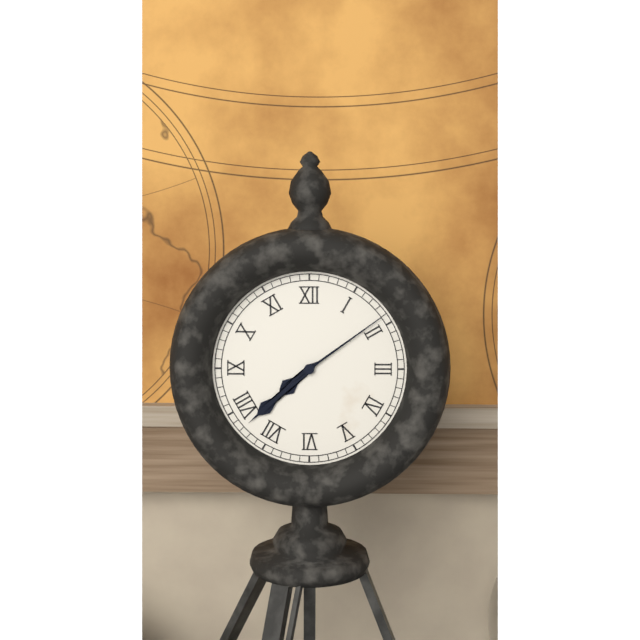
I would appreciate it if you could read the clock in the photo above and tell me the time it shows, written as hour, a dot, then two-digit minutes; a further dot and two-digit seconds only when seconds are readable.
7.38.09
